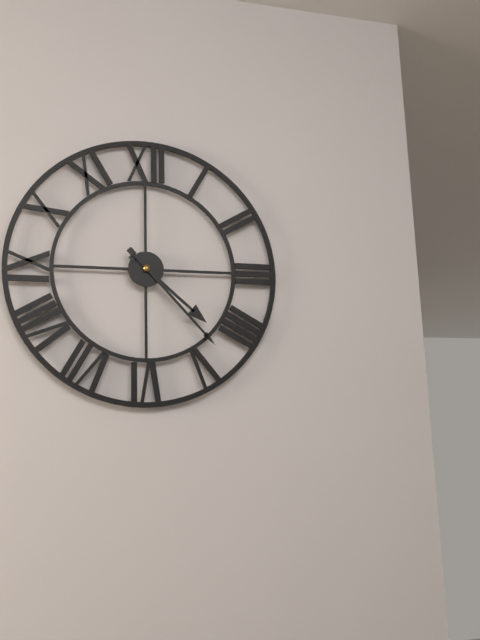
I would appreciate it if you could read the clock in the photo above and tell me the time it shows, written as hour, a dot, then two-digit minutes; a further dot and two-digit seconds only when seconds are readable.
4.23
